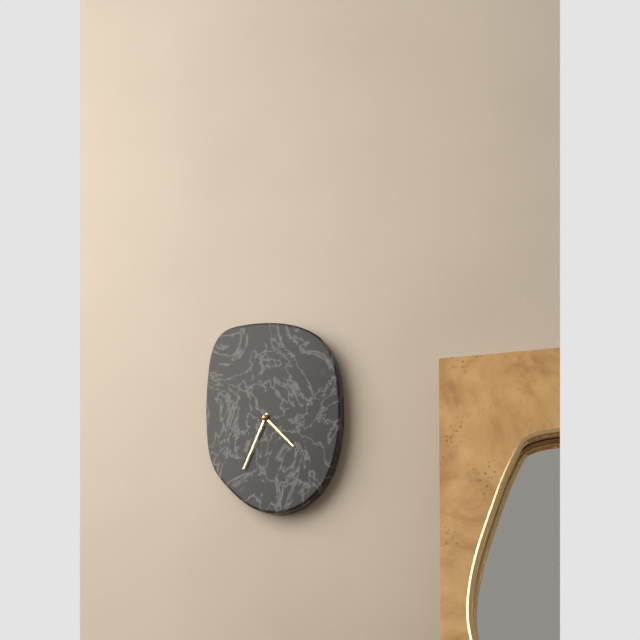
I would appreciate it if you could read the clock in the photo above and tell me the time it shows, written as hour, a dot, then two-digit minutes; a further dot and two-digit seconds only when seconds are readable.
4.34
